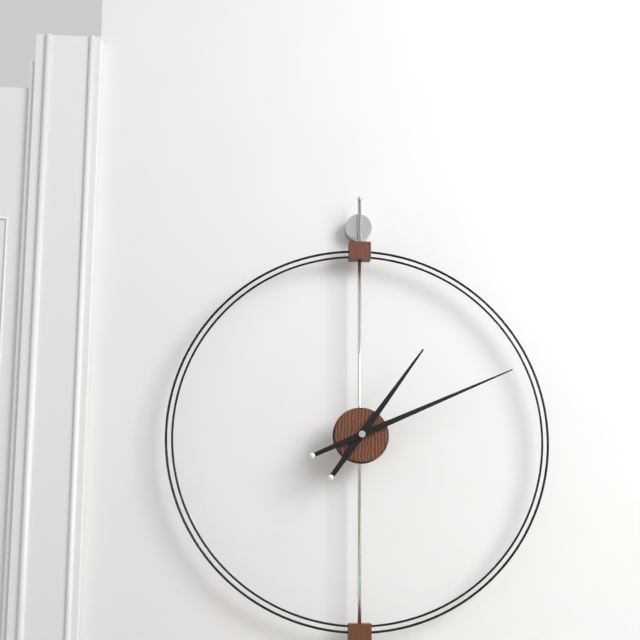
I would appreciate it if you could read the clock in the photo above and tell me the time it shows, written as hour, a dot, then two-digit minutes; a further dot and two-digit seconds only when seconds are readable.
1.11
